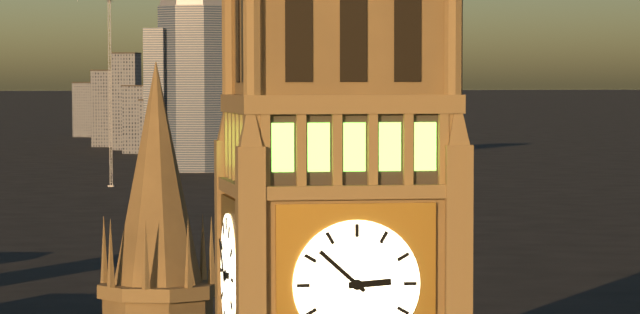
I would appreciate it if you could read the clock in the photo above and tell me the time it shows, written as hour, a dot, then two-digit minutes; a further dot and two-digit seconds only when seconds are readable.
2.52
